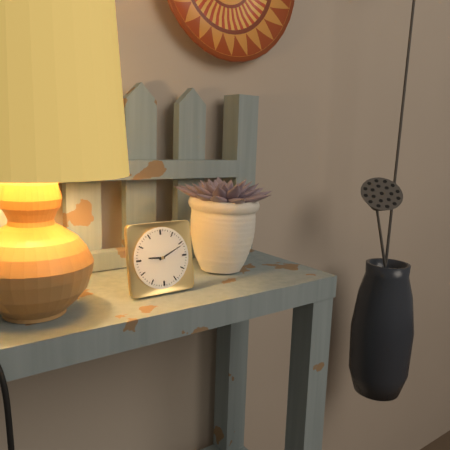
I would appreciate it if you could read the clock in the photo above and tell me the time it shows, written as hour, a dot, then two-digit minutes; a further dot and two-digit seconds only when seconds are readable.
9.11
